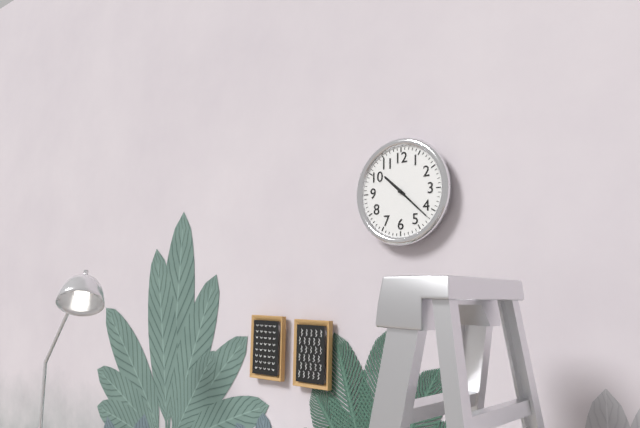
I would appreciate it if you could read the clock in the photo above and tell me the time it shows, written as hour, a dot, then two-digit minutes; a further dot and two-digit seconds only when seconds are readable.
10.22
